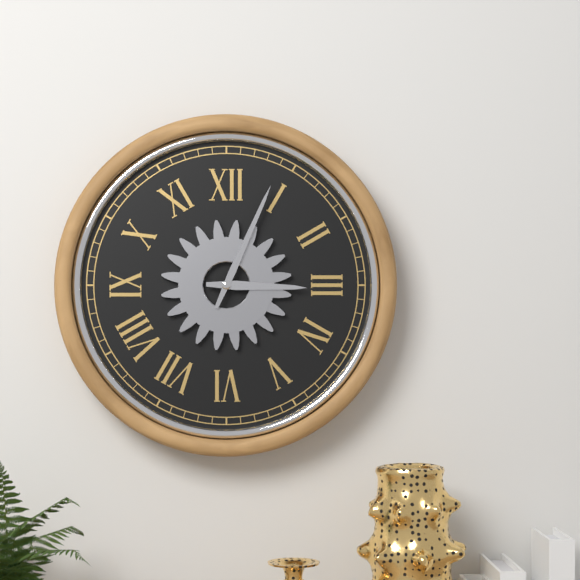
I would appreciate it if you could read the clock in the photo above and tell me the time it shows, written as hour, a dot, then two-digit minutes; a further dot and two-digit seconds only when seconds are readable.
3.04
